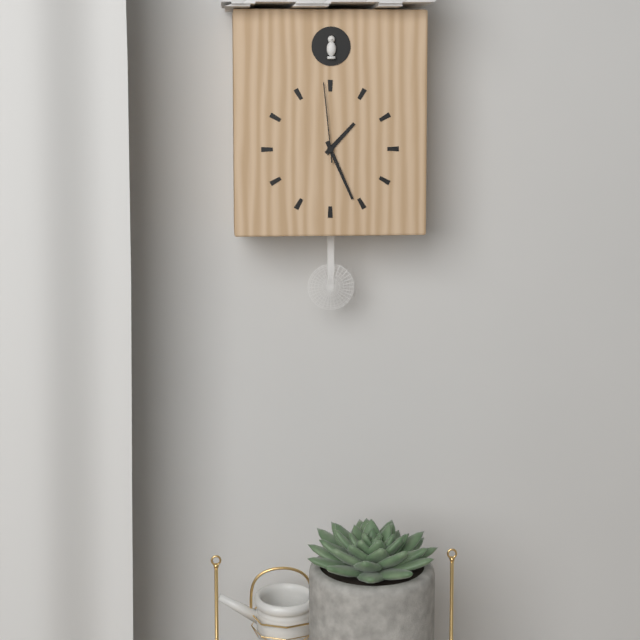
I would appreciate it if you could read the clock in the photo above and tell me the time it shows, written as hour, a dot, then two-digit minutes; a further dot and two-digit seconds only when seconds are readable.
1.26.59
